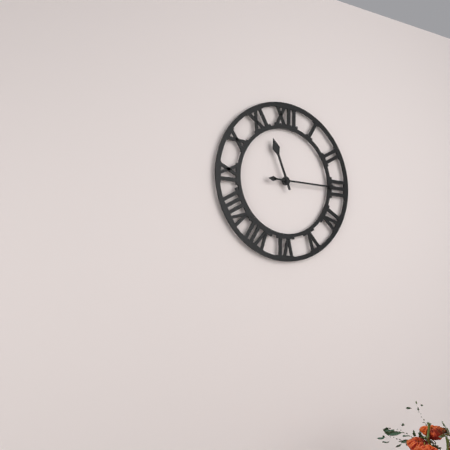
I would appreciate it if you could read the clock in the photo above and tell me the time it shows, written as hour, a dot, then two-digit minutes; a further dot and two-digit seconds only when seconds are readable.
11.15
